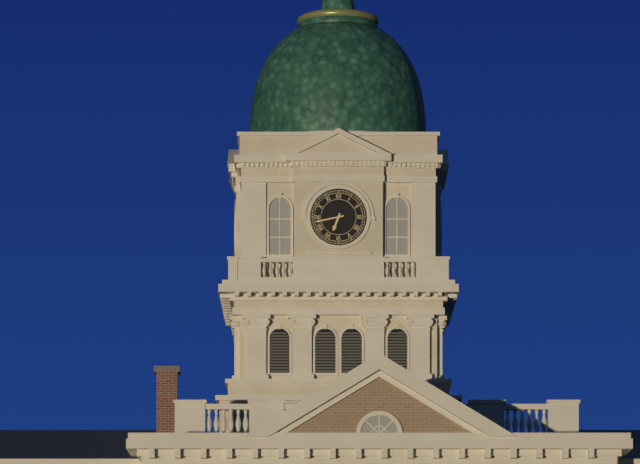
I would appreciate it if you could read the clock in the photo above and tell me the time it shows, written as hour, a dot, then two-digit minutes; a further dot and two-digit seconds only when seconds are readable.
6.43
